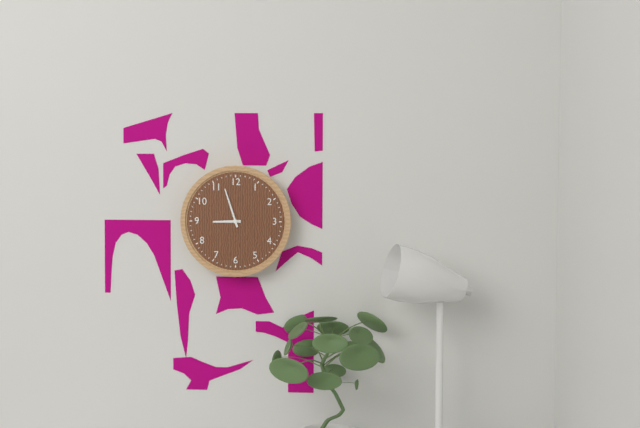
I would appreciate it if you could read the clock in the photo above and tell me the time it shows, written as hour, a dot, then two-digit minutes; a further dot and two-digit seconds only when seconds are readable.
8.57
